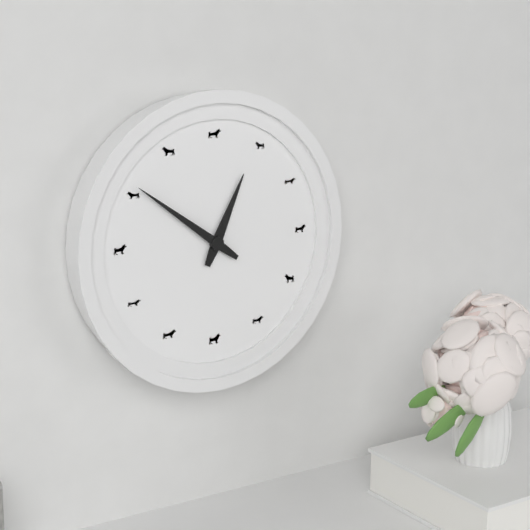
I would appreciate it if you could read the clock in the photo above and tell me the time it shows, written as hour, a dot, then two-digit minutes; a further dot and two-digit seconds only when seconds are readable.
12.51
